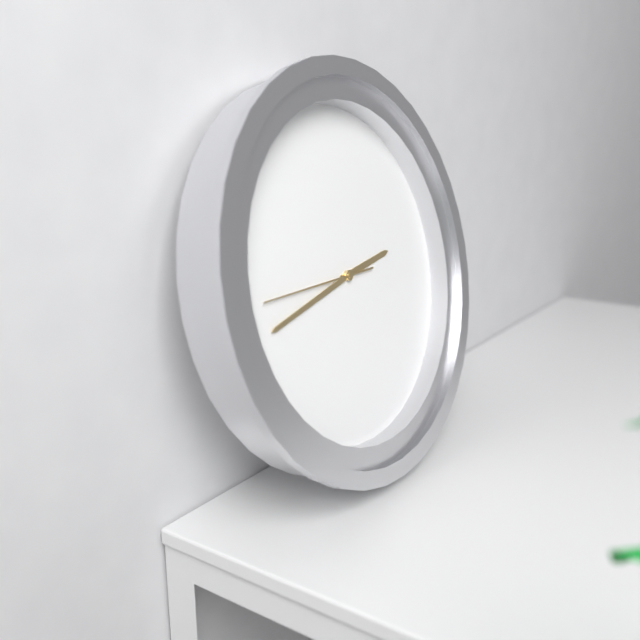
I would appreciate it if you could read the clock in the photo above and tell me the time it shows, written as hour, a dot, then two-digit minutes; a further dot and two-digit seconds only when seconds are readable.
2.43.45
